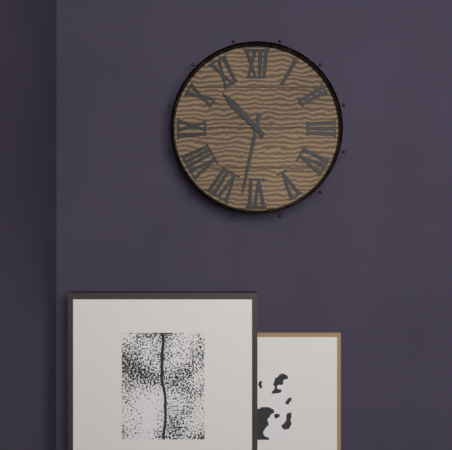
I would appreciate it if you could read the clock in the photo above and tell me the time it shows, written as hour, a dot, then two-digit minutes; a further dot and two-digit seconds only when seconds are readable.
10.32
